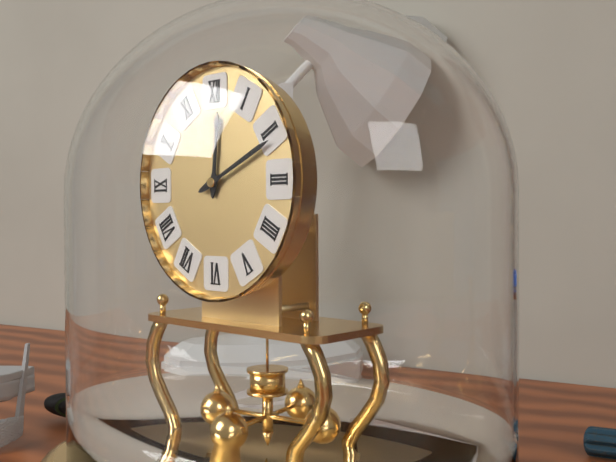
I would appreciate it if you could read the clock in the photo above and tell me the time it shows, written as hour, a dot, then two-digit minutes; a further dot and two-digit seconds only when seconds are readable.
12.11
